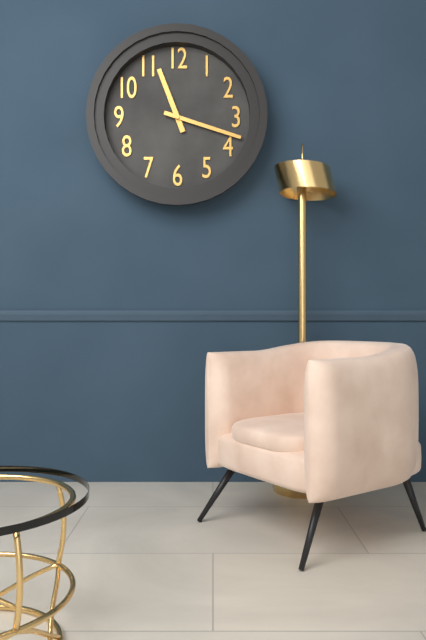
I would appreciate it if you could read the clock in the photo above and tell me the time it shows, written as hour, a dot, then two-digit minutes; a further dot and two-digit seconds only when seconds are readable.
11.18
